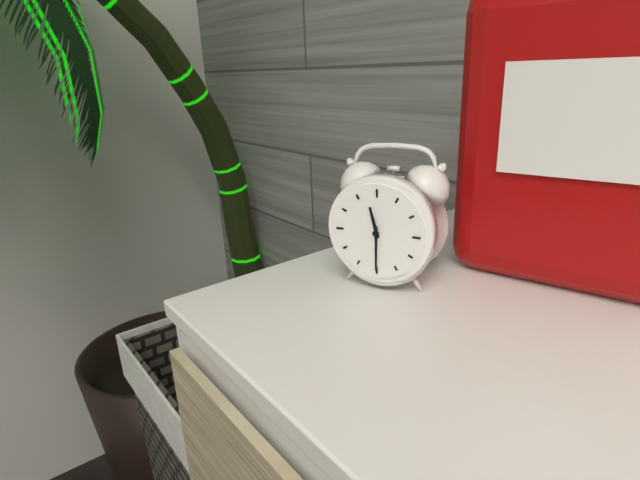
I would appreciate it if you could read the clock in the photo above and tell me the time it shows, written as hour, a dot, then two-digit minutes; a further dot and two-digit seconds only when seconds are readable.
11.30
